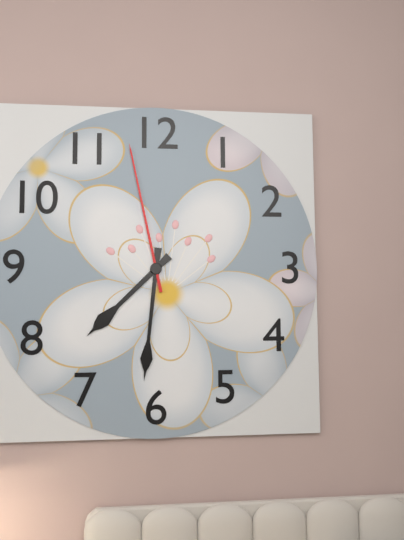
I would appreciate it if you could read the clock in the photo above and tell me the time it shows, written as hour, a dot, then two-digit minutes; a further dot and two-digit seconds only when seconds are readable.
7.31.58
